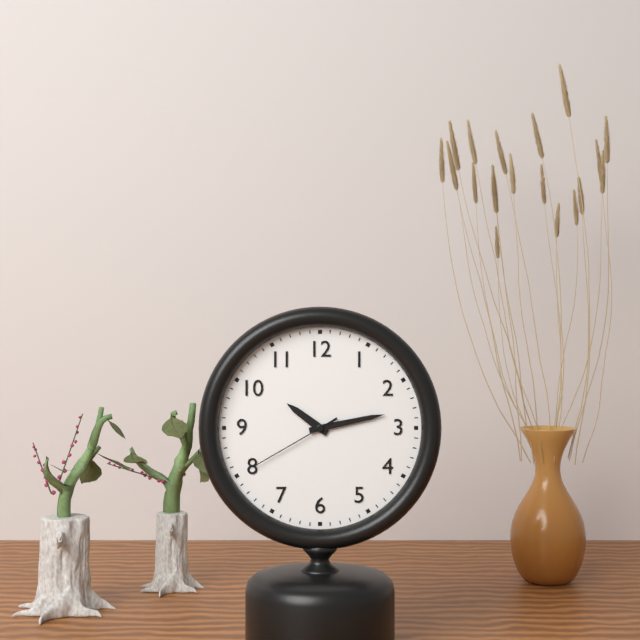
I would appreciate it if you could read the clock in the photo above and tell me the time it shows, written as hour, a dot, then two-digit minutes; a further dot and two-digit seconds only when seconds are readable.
10.13.40
